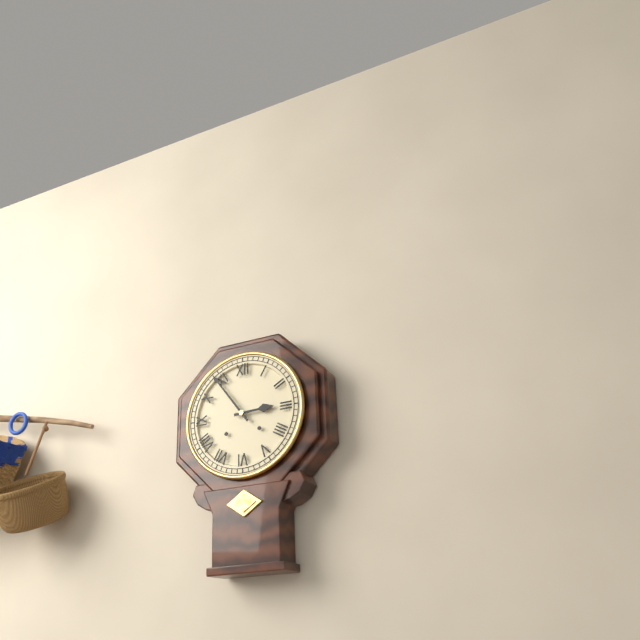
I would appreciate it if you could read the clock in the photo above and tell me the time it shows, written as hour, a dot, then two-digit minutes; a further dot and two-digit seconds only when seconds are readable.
2.54
